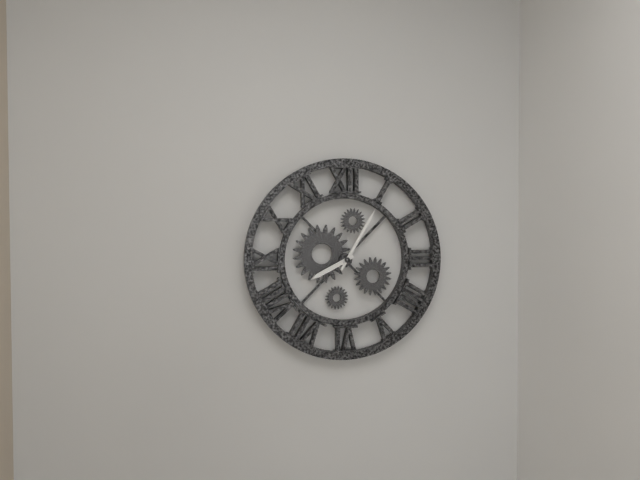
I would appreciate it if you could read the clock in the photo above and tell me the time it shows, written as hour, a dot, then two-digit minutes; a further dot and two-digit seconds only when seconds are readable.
8.05
